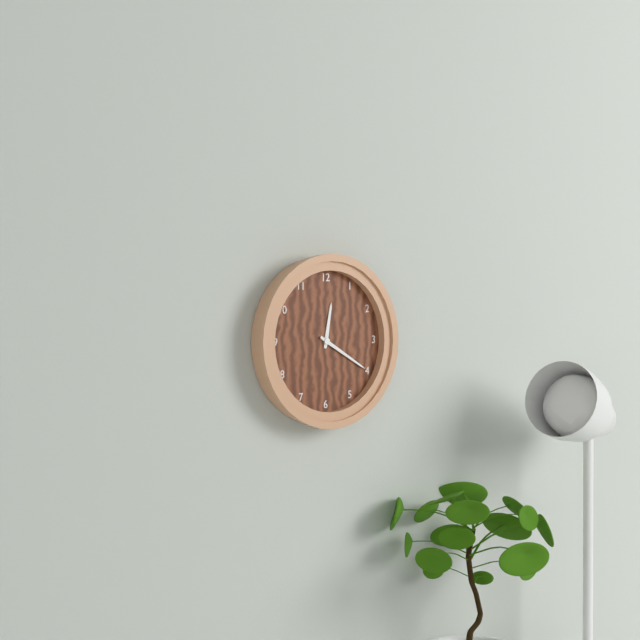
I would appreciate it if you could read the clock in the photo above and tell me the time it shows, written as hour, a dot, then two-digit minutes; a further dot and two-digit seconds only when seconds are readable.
12.20
